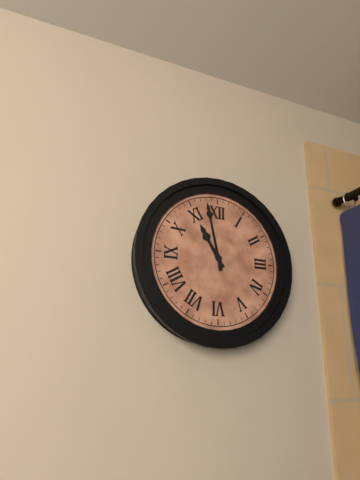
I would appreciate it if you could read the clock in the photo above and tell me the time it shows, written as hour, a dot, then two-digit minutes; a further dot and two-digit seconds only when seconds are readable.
10.58
